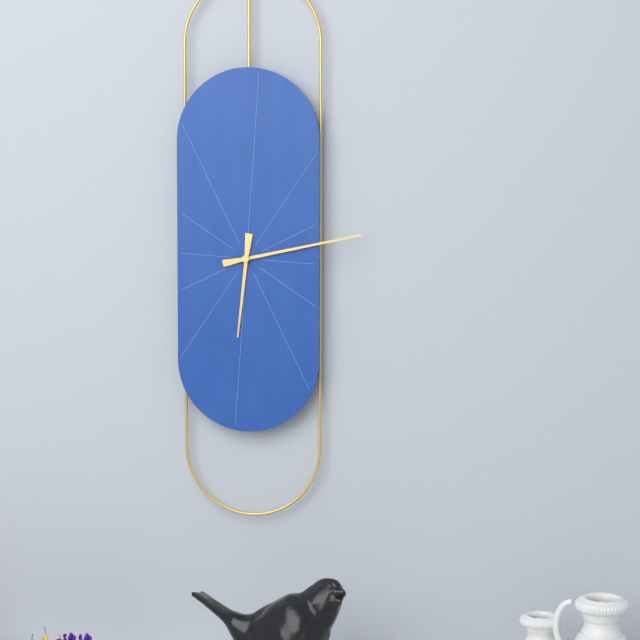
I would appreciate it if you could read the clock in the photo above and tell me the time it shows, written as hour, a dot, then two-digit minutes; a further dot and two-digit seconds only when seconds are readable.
6.13
